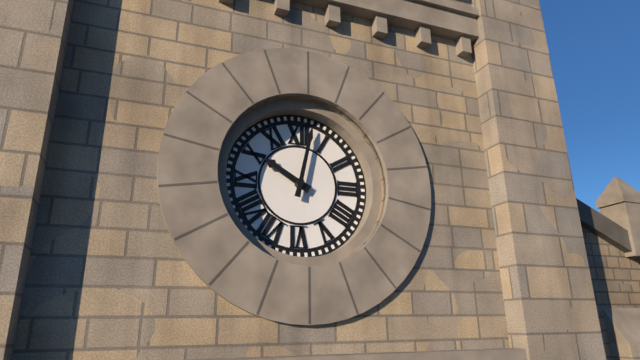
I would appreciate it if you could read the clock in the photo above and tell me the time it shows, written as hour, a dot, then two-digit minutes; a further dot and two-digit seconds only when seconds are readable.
10.02
